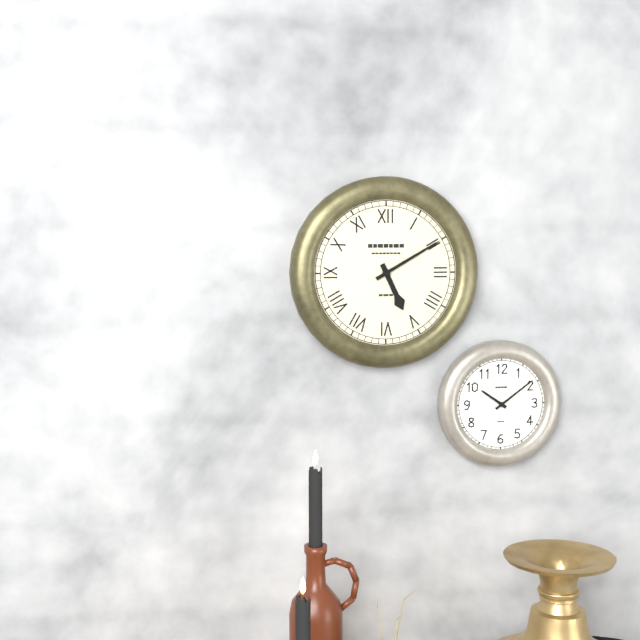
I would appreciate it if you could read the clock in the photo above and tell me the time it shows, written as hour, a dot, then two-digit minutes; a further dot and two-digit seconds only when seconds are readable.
5.10
